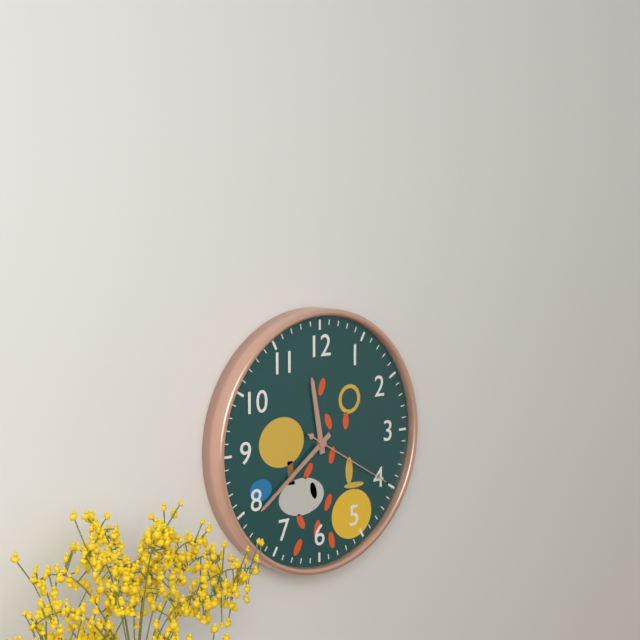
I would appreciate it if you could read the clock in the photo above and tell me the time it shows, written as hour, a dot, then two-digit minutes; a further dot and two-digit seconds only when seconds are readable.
11.39.20
